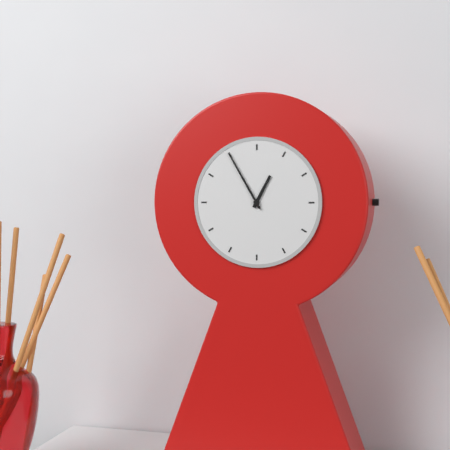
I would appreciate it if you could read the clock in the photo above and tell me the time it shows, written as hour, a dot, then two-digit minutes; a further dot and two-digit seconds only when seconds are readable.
12.55
